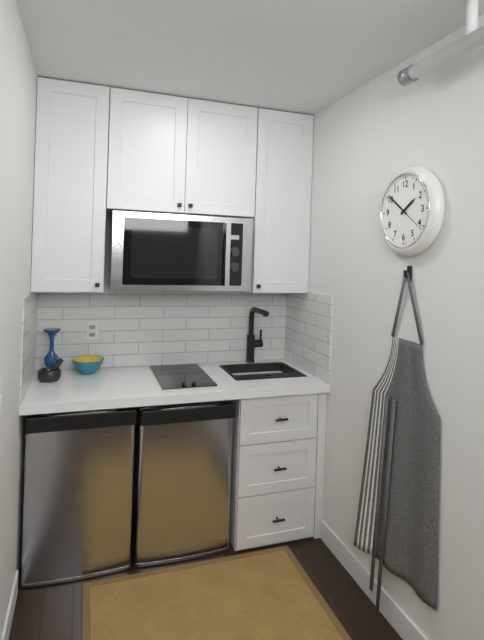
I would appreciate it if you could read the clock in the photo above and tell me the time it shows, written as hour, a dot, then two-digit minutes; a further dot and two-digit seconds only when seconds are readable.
1.51
